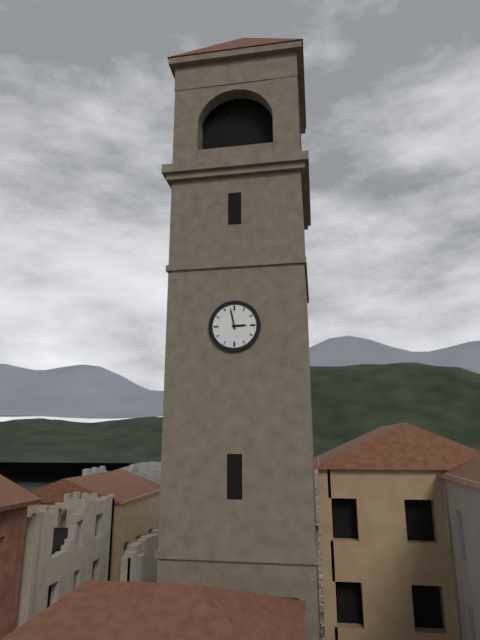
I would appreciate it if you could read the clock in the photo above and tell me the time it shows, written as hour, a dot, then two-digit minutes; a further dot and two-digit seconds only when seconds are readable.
2.58
